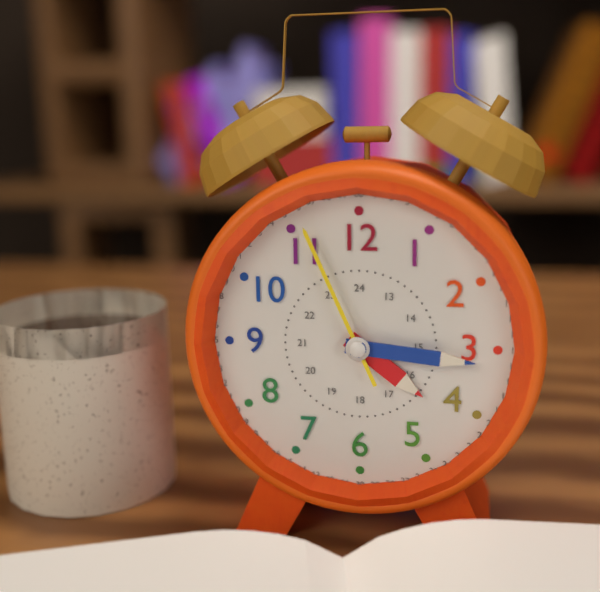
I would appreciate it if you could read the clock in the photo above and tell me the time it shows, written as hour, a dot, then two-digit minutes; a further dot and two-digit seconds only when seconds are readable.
4.16.56
